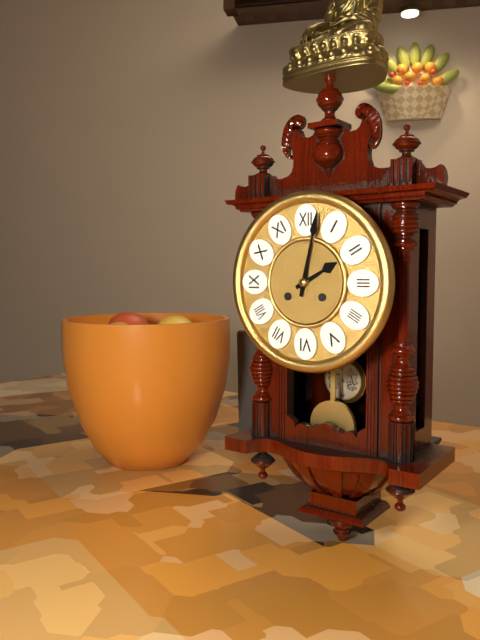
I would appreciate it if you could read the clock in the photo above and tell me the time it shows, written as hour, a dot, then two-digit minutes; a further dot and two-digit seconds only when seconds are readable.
2.02
